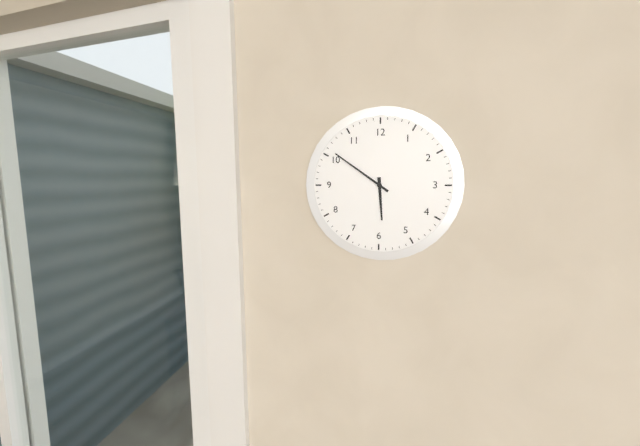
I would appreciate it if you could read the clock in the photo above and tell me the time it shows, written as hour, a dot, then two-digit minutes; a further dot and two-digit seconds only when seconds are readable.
5.51
